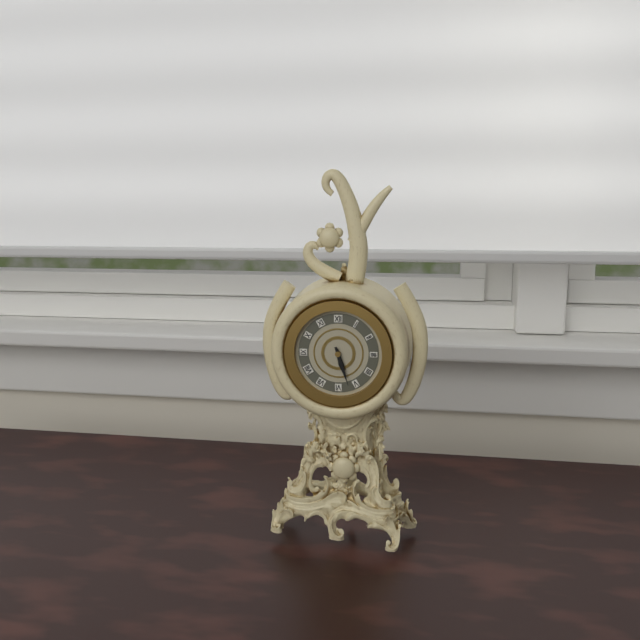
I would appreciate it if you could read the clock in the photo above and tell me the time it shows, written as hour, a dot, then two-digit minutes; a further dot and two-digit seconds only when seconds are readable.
5.27
